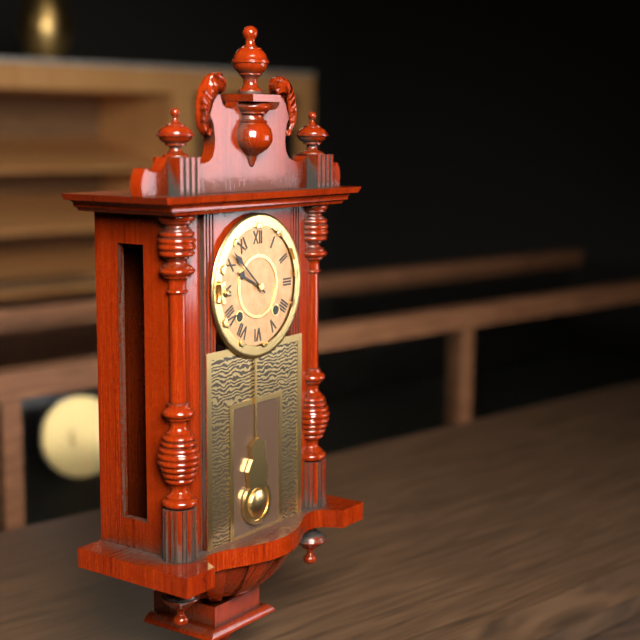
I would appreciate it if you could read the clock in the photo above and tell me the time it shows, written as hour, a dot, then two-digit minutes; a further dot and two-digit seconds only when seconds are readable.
9.52
